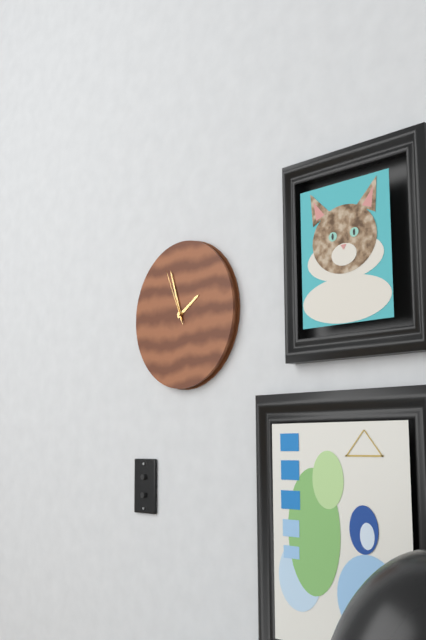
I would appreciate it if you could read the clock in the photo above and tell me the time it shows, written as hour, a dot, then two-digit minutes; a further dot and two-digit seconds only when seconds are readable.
1.57.56
